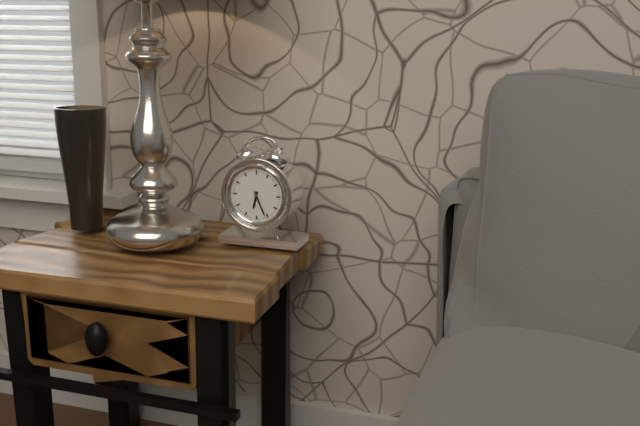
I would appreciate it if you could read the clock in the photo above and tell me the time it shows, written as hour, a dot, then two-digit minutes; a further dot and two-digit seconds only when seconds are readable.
6.26
